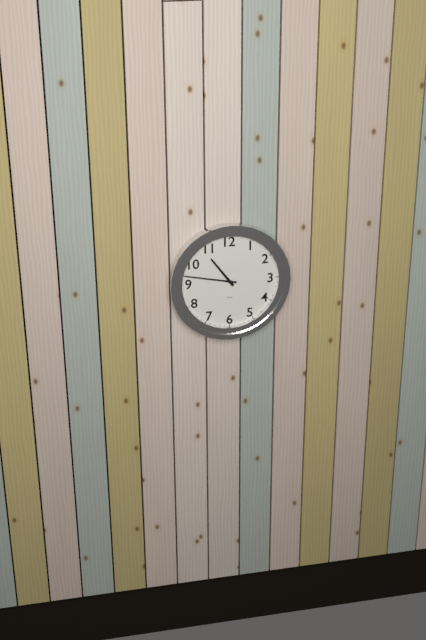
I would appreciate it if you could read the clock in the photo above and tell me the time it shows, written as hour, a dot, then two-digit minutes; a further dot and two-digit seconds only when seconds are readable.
10.47
